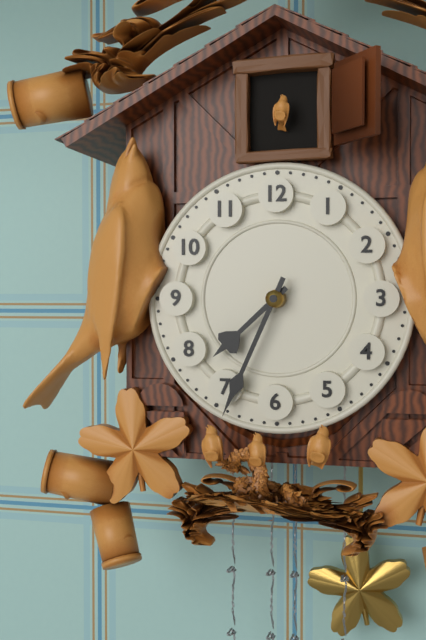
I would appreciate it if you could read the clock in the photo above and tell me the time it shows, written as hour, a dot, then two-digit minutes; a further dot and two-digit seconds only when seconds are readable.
7.34
